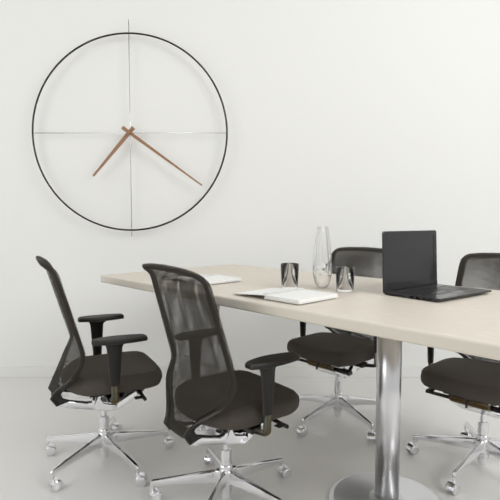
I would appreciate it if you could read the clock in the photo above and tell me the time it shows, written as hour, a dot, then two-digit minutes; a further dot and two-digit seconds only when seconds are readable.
7.21
